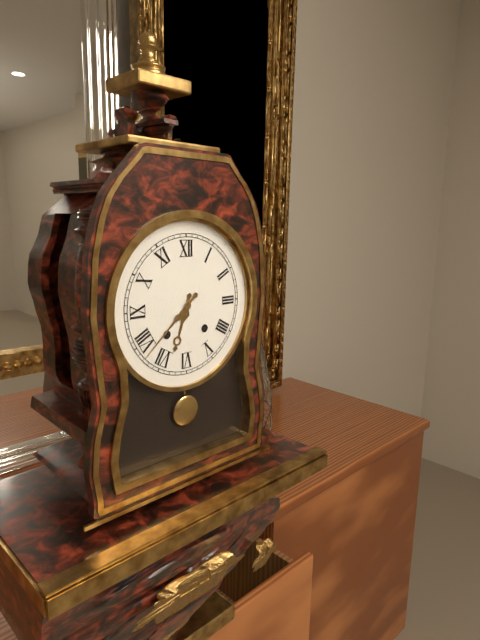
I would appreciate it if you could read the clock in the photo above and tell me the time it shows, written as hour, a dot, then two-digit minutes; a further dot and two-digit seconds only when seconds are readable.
6.38
